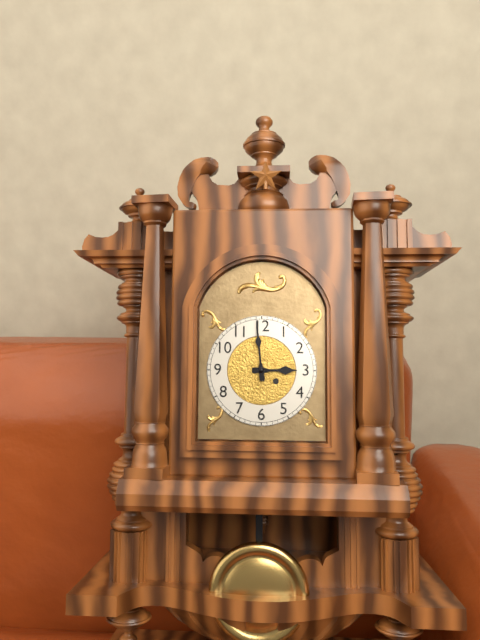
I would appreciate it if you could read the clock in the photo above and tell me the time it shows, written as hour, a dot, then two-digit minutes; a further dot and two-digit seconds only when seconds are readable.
2.59
